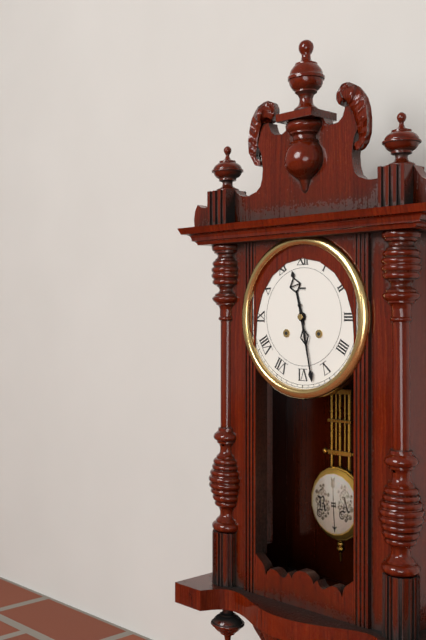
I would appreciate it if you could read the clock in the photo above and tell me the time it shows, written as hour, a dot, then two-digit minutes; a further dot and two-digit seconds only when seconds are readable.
11.28
